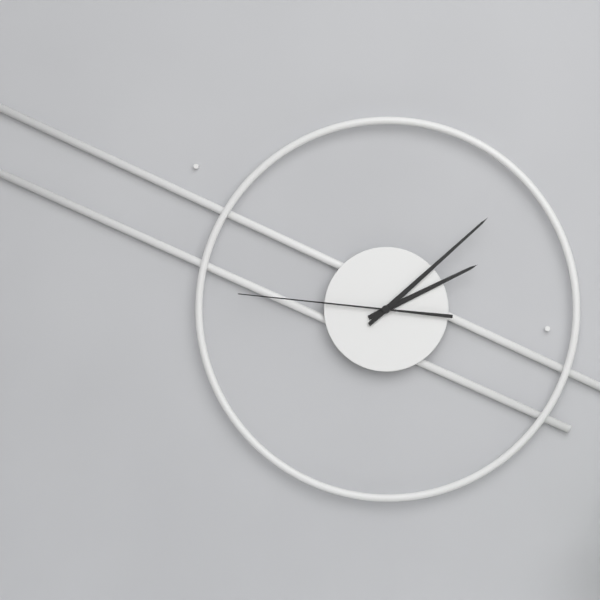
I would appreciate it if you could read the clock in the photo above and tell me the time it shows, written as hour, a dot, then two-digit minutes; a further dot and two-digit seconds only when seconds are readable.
2.08.46
